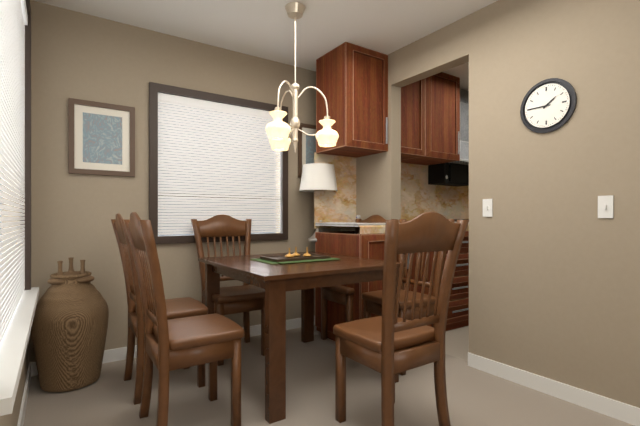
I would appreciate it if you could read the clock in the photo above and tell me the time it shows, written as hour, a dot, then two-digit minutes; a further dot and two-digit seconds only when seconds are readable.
1.45
